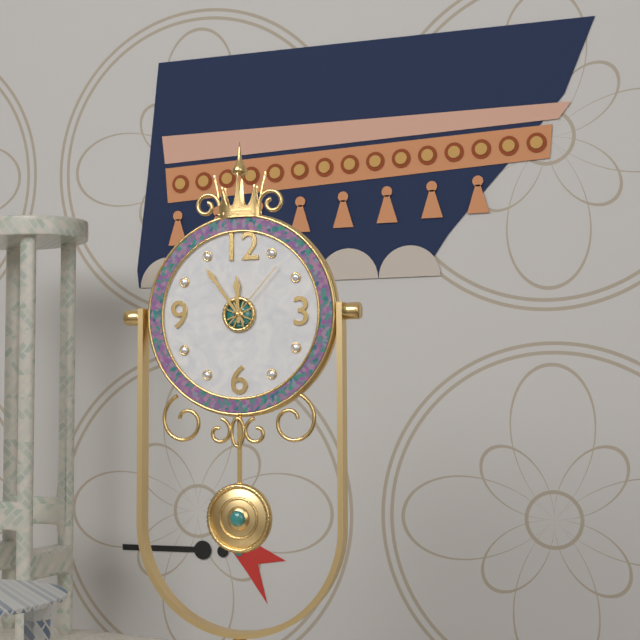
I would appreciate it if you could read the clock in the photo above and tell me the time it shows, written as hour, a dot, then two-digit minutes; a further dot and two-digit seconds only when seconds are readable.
11.54.07
